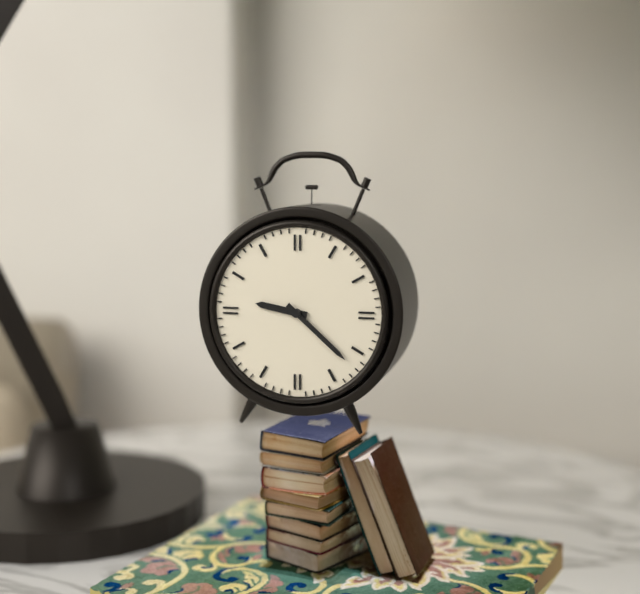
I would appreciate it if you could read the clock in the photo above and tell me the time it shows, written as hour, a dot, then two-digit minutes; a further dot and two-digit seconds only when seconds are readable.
9.22
